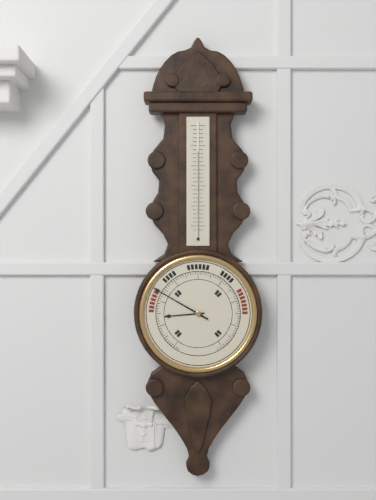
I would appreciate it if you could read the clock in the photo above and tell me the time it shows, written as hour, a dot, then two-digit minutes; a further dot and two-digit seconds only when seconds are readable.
8.50
